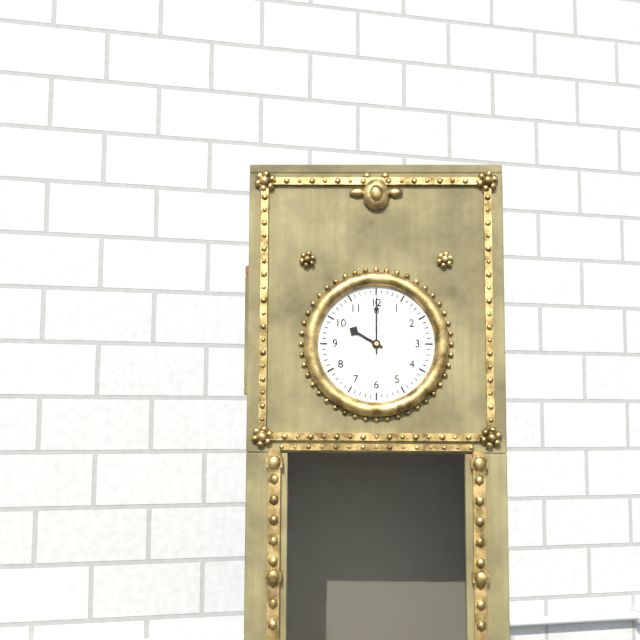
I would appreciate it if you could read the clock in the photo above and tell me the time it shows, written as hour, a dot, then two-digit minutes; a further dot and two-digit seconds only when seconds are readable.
10.00
